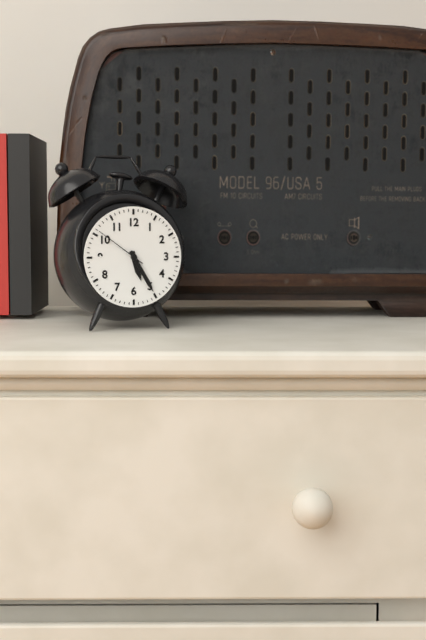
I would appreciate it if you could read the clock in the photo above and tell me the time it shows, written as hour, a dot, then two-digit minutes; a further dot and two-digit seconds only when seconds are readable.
5.25.51
